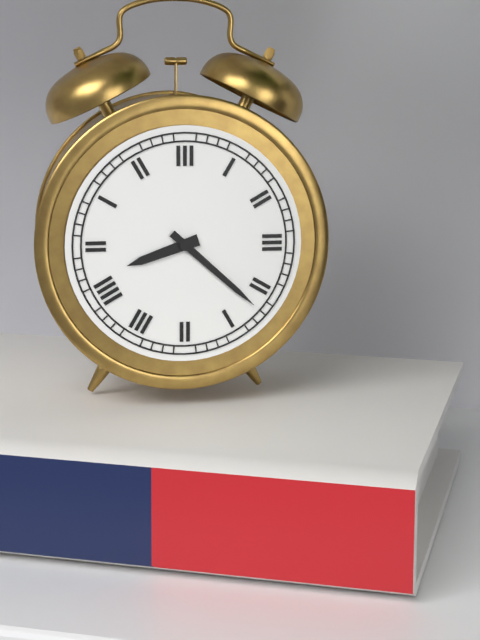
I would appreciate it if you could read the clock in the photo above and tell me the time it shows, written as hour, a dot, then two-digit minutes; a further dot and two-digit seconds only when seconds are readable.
8.22
